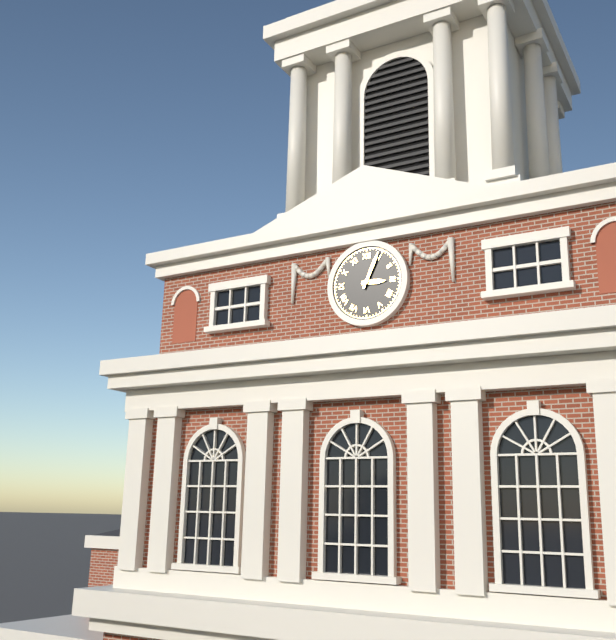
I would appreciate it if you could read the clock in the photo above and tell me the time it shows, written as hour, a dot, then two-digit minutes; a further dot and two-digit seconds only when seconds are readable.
3.04
